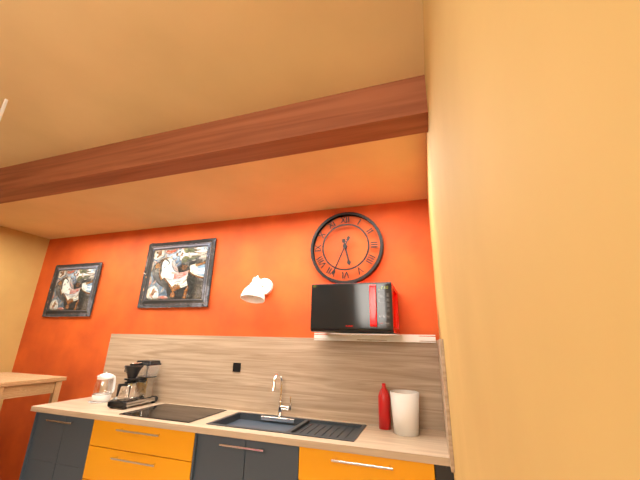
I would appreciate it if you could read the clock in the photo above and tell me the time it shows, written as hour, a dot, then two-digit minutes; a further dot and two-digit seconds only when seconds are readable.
5.34
